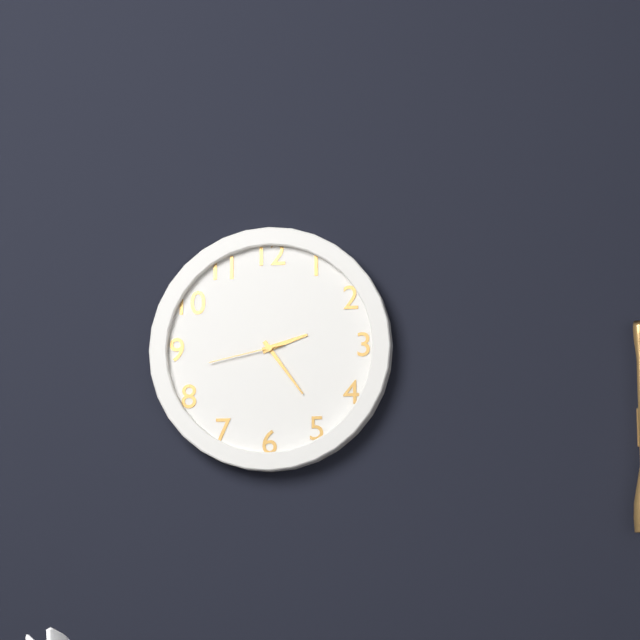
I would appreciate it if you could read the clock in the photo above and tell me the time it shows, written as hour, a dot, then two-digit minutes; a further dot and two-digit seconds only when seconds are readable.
2.24.43
